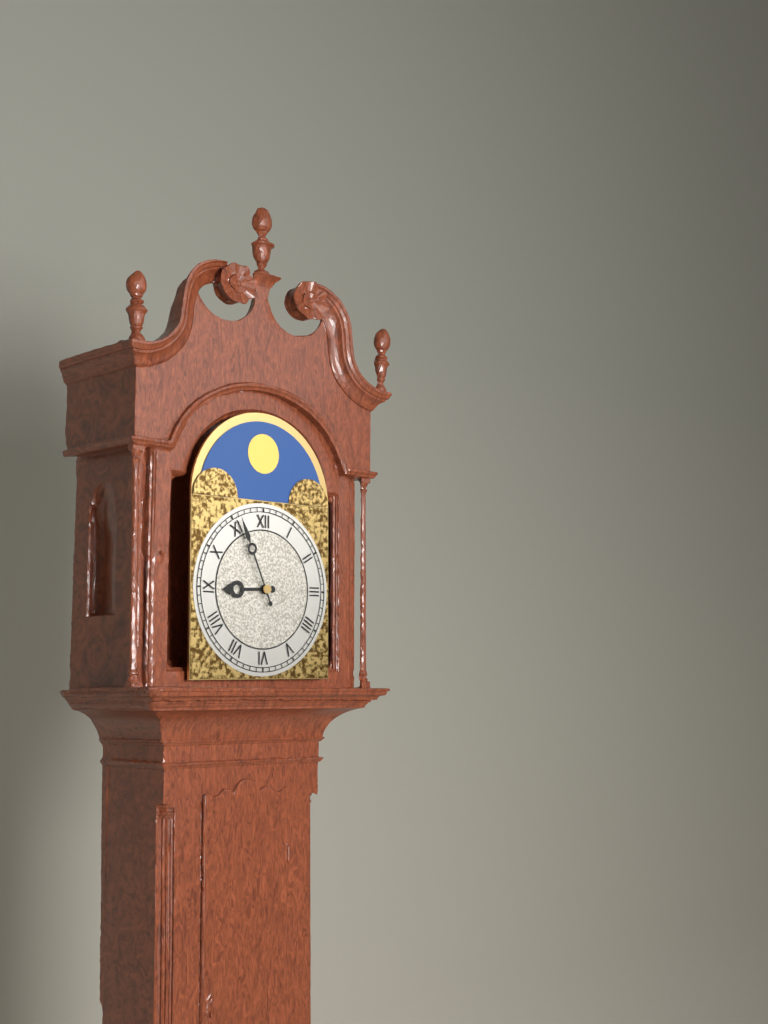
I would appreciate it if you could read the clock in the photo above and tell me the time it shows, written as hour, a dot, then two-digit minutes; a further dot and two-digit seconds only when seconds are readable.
8.56
